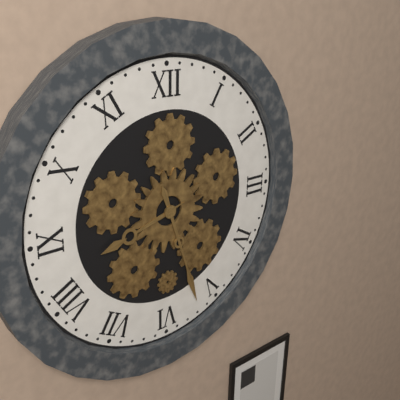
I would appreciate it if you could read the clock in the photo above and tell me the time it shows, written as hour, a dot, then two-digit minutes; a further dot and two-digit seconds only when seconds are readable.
8.27
